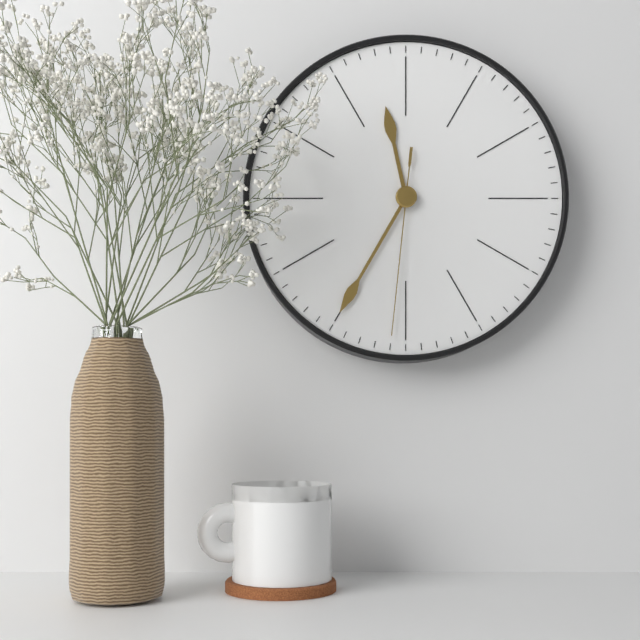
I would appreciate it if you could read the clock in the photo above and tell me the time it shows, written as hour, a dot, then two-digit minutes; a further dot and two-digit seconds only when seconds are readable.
11.35.31
